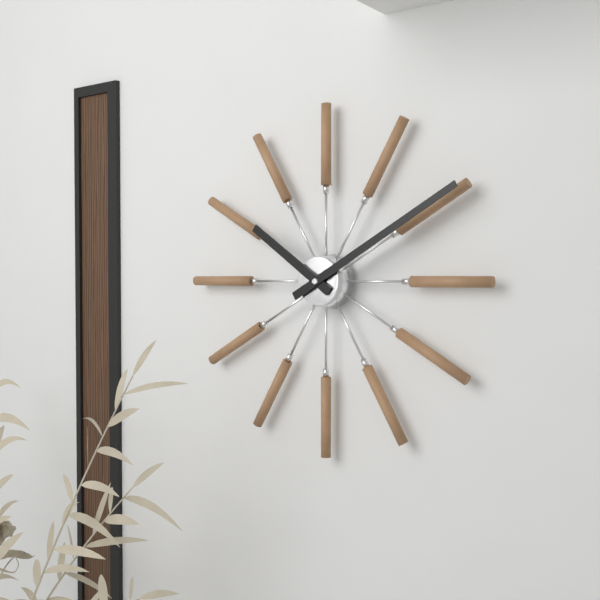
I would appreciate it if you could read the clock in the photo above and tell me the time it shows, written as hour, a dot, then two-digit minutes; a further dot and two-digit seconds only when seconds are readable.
10.10
